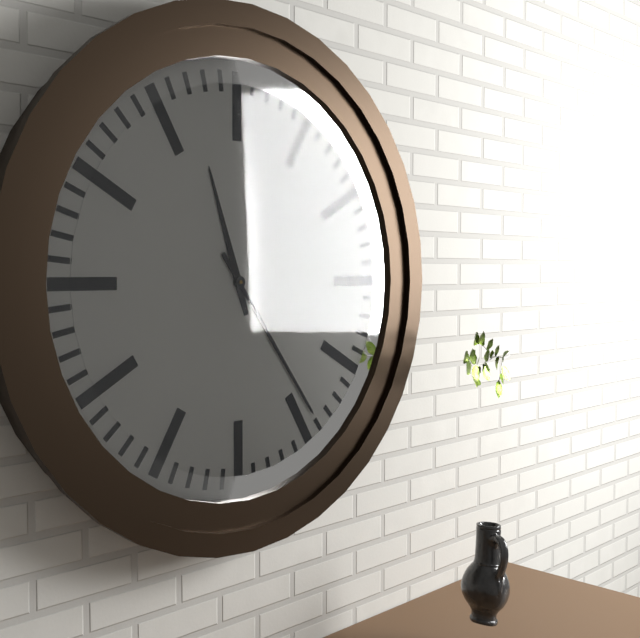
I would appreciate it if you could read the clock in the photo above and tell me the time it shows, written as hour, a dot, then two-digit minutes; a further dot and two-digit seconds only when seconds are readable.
11.24
